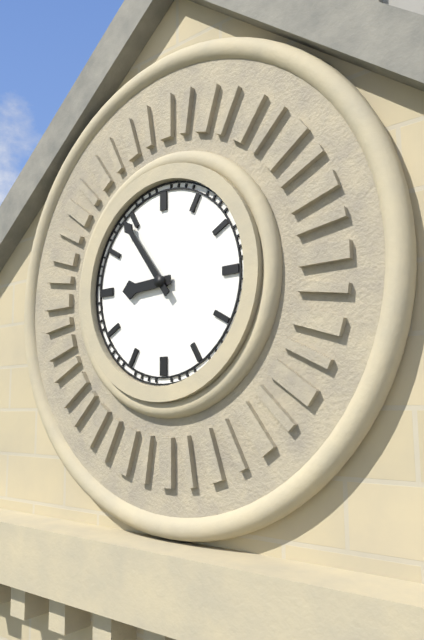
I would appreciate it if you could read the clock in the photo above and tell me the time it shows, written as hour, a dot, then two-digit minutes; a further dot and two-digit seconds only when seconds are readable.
8.54
